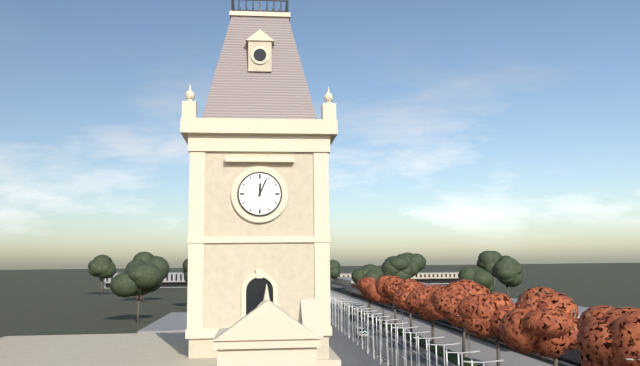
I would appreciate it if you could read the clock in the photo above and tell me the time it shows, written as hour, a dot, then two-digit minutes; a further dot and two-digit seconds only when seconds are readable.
12.04
